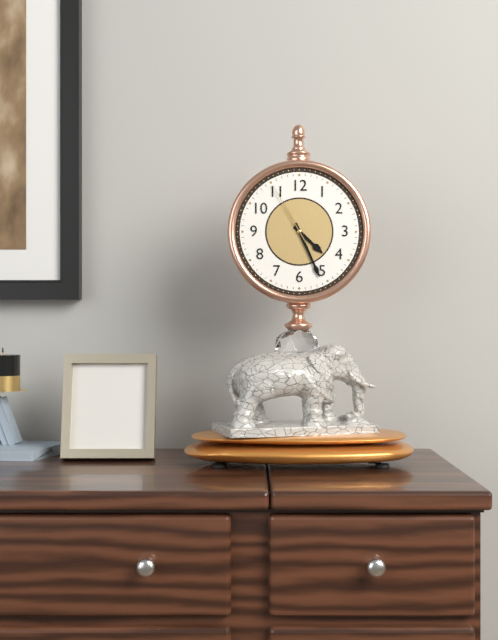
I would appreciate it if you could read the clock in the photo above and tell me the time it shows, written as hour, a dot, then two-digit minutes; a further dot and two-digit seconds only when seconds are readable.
4.26.55
